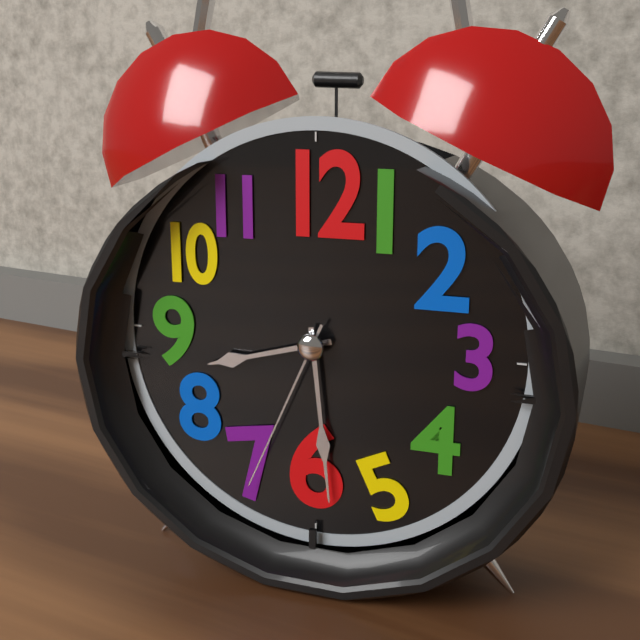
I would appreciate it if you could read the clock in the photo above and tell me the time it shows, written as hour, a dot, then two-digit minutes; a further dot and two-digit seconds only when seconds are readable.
8.29.34
